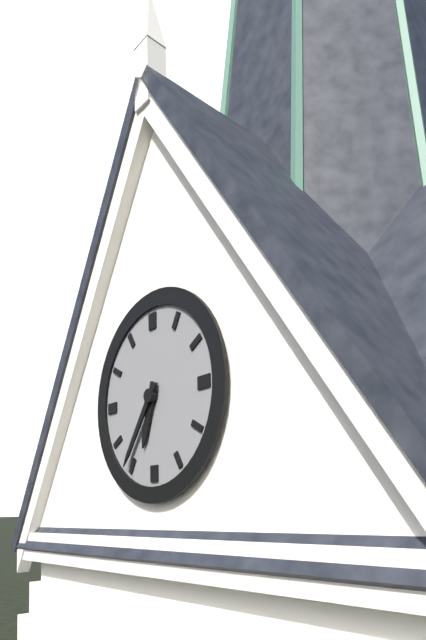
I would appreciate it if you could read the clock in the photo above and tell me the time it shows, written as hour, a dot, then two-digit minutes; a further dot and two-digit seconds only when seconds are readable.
6.36
